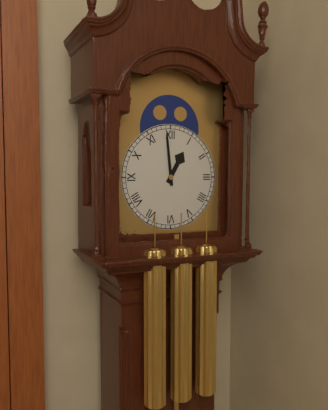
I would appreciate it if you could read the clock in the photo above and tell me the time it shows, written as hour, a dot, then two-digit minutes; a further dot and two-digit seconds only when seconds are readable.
12.59
